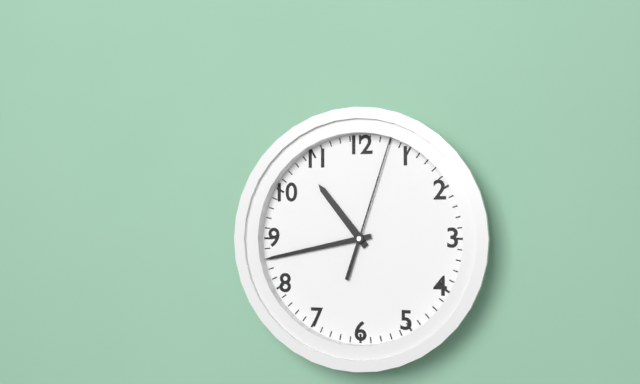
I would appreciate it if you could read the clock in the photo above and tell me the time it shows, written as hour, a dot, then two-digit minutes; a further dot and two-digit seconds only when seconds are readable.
10.43.03
